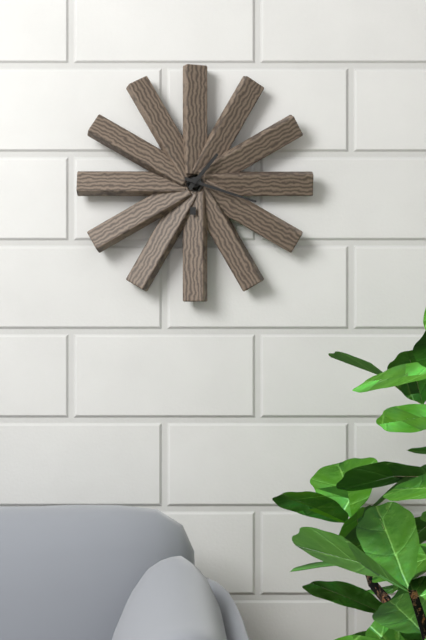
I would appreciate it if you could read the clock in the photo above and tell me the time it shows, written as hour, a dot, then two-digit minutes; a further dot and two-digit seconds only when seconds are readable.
1.18
